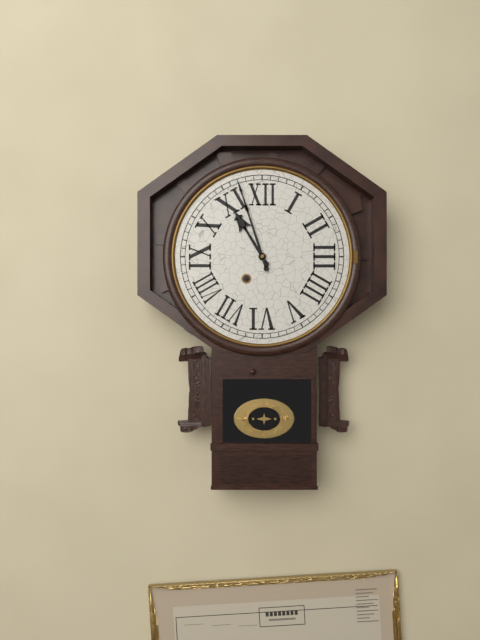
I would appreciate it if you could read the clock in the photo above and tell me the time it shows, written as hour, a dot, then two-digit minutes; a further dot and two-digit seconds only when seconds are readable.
10.57
